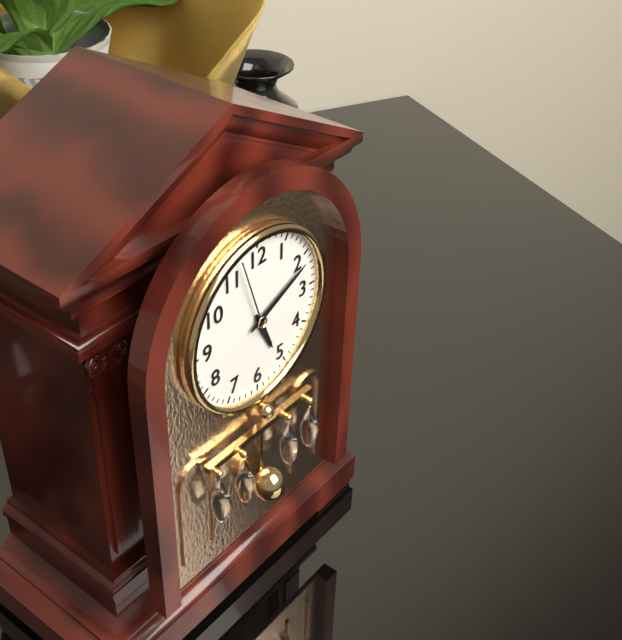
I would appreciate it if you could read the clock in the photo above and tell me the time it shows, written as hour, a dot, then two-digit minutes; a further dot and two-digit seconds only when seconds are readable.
5.11.57
